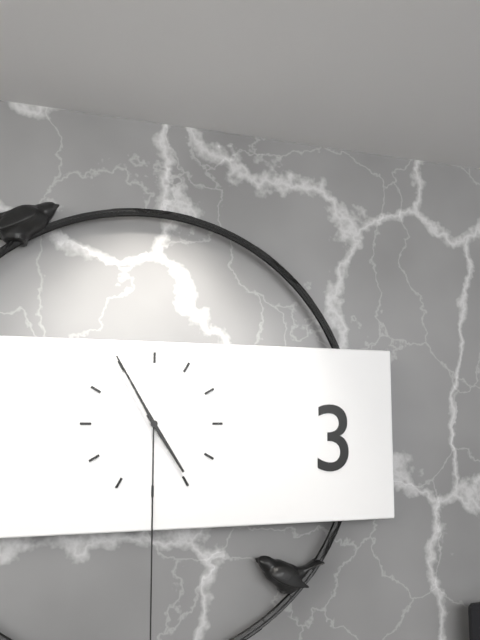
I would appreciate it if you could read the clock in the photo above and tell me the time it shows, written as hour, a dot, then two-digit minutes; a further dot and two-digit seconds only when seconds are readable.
4.55
